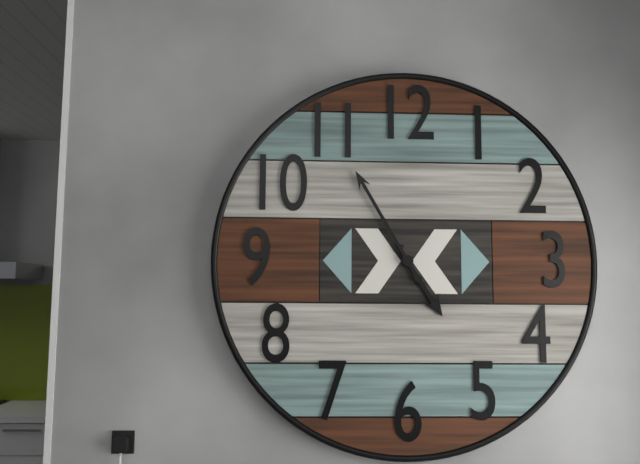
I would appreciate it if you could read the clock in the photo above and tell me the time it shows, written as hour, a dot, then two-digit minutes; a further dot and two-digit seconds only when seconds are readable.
4.55
